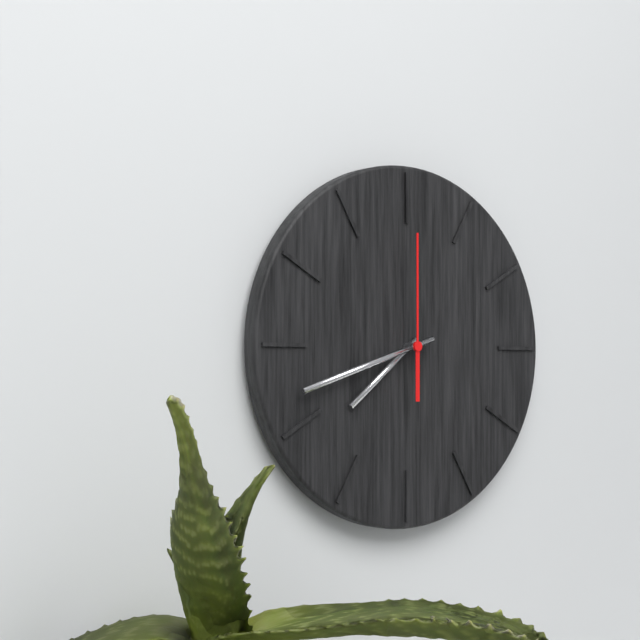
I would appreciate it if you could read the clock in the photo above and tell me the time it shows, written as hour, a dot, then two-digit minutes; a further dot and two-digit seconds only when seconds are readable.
7.42.00
